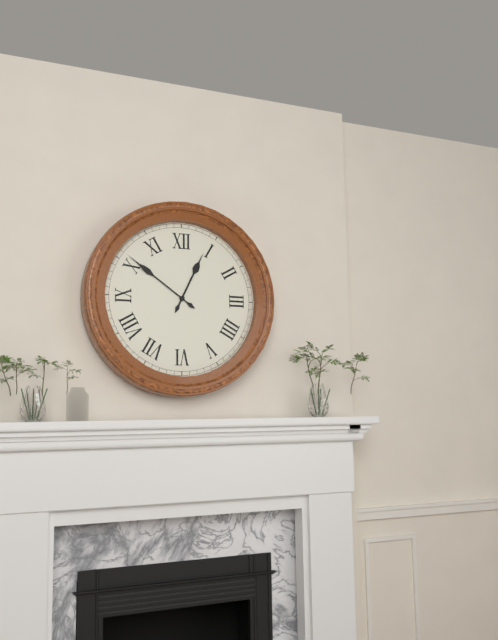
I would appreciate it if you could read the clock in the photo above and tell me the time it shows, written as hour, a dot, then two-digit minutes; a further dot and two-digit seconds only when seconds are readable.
12.51
